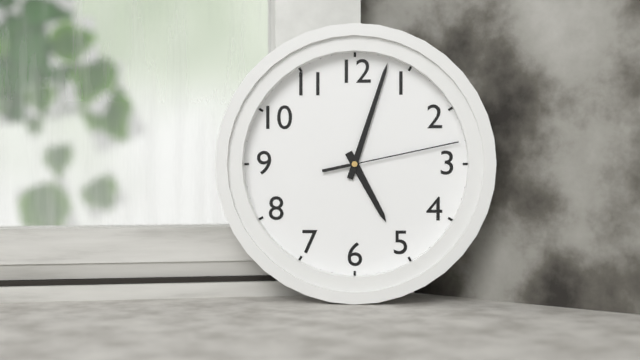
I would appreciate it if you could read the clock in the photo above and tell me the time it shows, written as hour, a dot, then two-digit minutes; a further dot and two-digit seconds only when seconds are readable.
5.03.13
